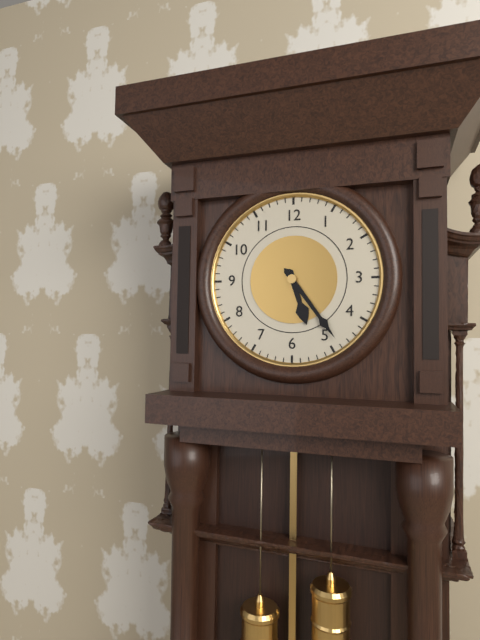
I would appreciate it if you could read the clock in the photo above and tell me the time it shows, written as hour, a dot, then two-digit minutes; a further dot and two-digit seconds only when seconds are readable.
5.24
